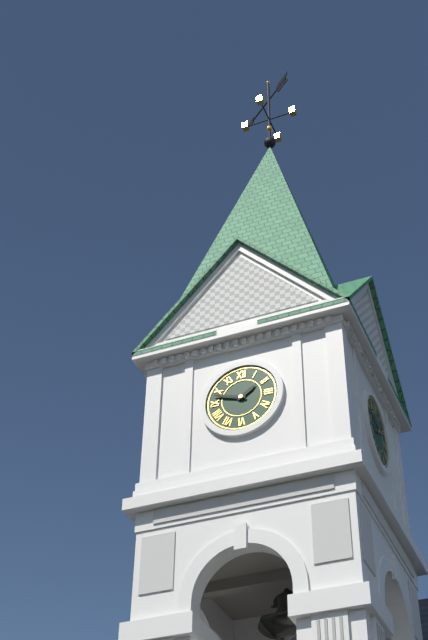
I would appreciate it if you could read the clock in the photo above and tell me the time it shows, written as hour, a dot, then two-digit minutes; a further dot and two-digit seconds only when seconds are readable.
1.48
